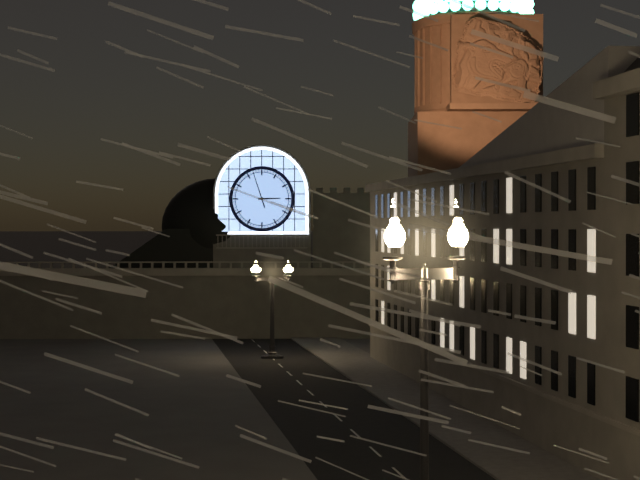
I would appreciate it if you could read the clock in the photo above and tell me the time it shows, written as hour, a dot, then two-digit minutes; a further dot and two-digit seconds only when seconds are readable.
2.57
